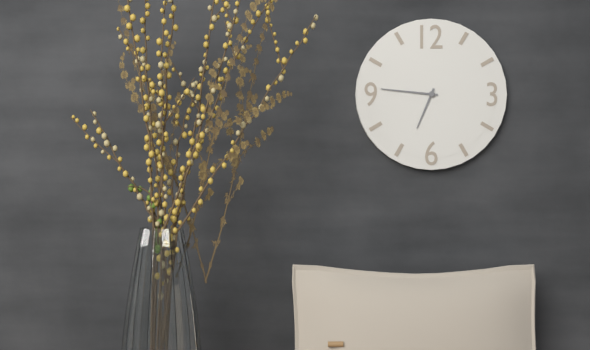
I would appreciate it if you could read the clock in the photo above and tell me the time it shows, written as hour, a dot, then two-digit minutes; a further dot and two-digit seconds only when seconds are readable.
6.46
